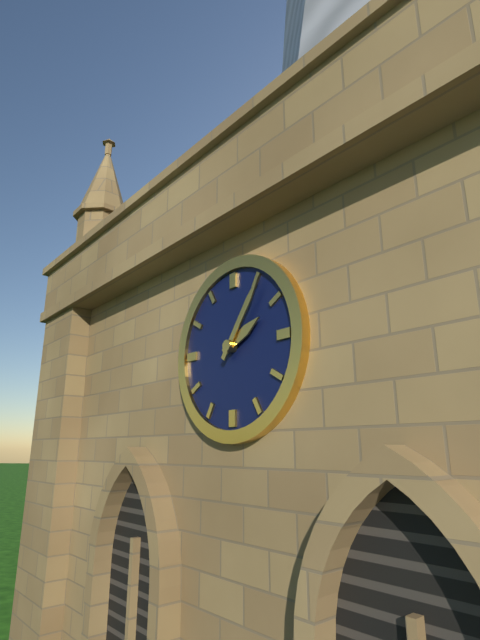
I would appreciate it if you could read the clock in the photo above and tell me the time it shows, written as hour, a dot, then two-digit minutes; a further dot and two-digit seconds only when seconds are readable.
2.06
